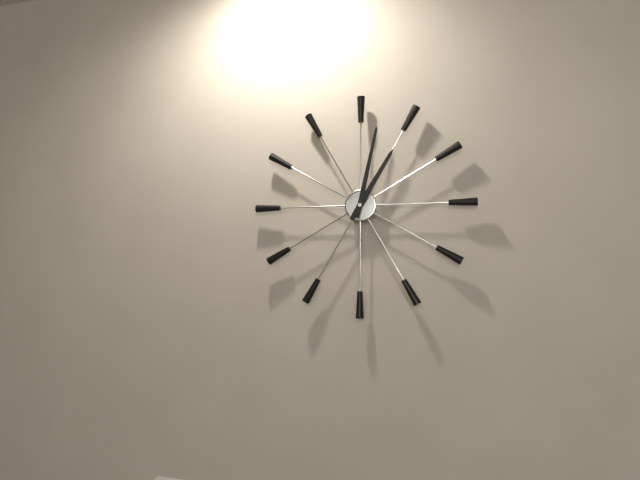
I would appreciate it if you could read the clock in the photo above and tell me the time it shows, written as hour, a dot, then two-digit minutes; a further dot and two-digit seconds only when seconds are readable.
1.02
